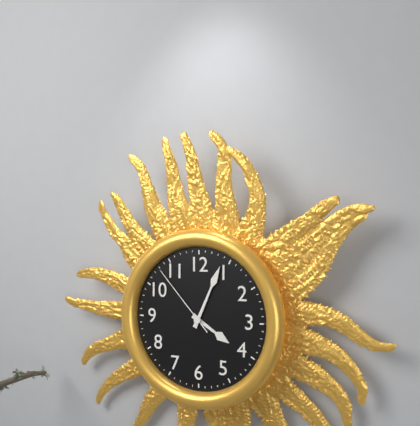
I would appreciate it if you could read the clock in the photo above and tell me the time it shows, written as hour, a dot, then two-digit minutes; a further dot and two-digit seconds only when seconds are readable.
4.04.53
